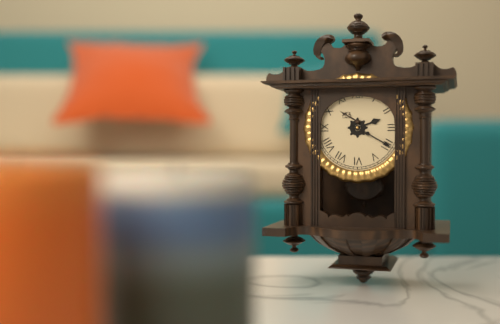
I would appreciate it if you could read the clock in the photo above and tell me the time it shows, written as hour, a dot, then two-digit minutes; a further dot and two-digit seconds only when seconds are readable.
2.20
